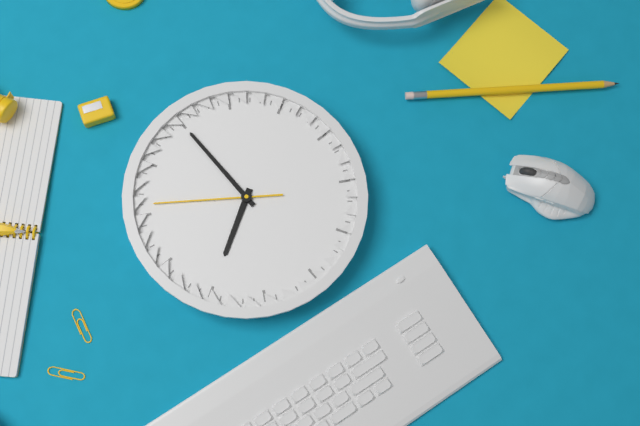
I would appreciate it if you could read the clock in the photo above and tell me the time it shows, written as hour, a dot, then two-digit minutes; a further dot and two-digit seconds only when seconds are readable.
8.00.51
